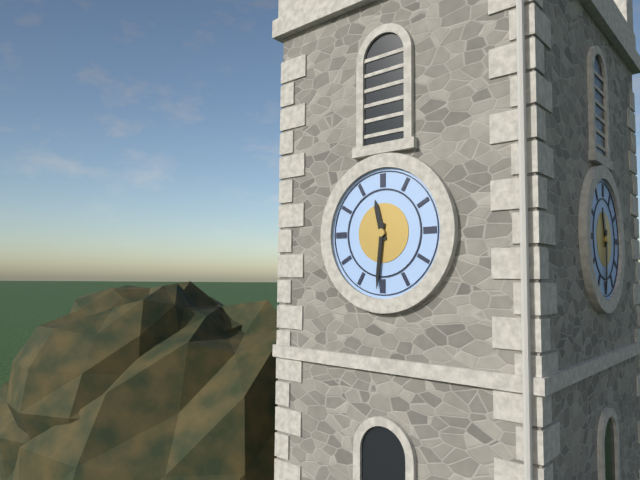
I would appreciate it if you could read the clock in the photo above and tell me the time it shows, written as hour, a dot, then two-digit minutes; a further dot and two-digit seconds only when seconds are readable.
11.31
